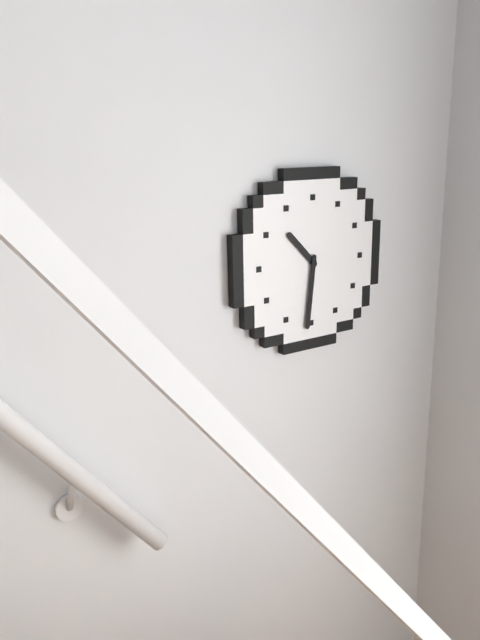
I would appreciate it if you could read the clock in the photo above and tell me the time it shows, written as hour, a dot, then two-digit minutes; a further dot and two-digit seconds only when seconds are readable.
10.31
